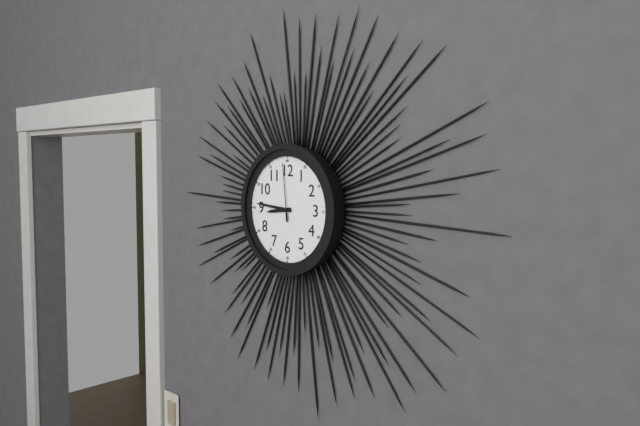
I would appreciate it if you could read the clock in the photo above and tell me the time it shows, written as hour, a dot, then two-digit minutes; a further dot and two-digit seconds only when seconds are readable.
8.46.59
